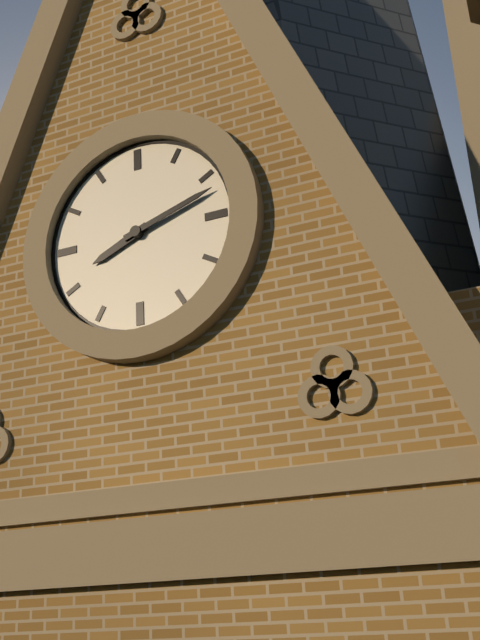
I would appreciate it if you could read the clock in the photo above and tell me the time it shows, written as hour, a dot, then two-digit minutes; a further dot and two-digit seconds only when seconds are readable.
8.12
